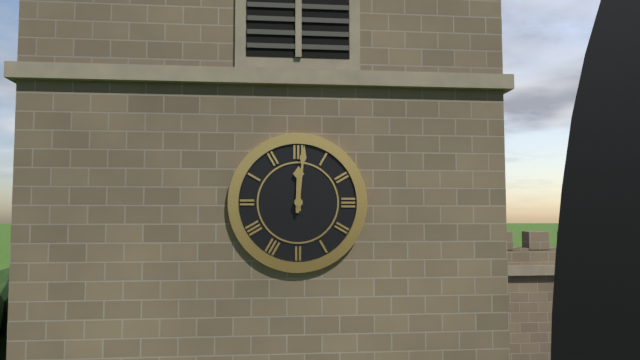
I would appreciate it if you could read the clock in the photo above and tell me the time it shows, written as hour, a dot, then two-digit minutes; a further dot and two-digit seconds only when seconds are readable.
12.01
